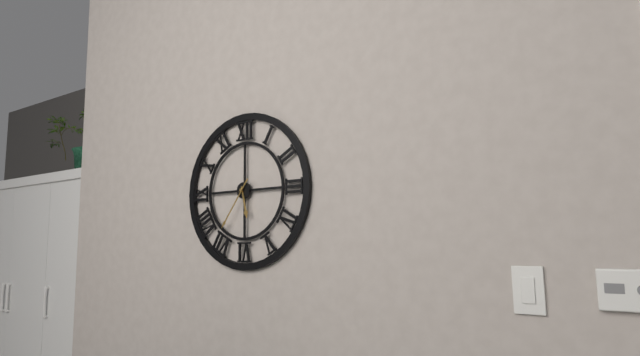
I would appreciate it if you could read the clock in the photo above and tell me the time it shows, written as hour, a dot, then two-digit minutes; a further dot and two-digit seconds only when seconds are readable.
5.36
